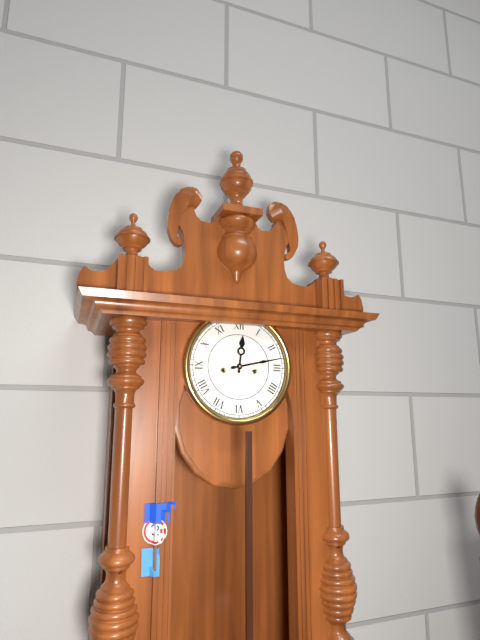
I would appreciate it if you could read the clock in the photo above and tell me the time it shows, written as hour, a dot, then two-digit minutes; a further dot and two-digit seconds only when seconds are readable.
12.13
